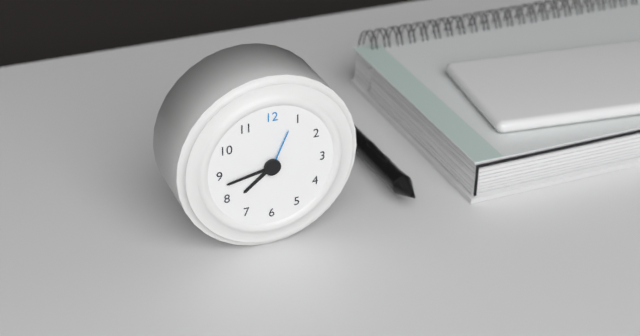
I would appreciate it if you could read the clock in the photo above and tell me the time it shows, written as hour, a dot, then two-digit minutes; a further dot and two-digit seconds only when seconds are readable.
7.43.04
